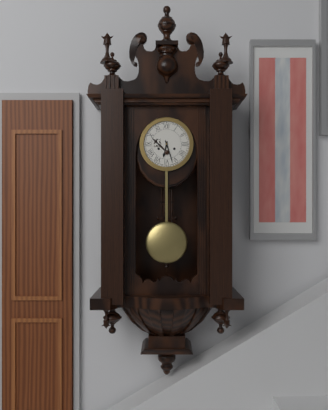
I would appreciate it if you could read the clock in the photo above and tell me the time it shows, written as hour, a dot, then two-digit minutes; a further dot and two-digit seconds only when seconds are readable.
6.27
